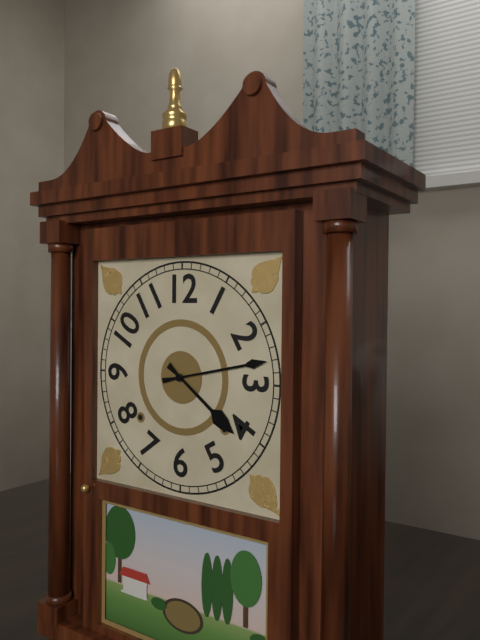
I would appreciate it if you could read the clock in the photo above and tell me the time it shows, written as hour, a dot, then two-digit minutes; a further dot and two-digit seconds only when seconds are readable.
4.13
